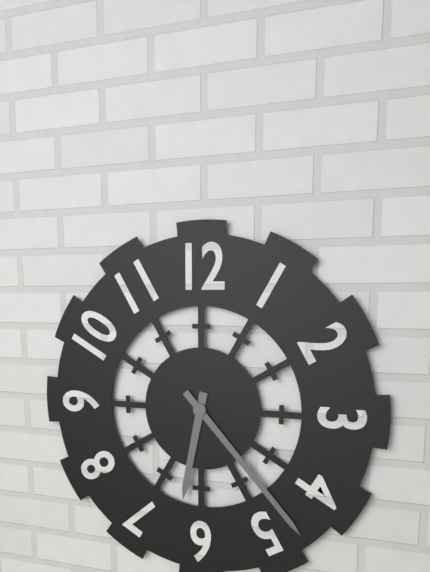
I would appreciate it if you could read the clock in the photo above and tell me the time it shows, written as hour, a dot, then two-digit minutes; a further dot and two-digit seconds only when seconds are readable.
6.23
